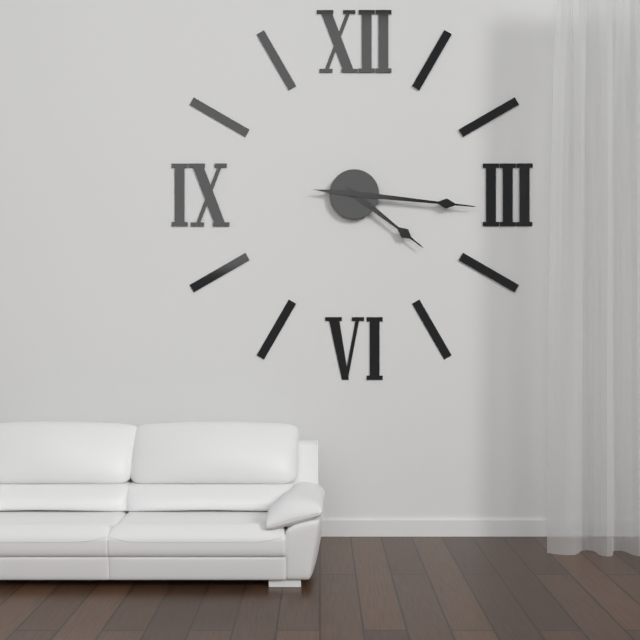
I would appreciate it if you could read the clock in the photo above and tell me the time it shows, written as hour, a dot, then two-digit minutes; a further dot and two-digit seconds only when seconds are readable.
4.16
